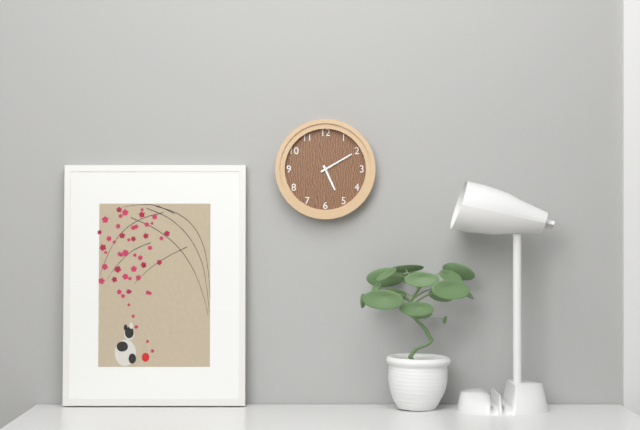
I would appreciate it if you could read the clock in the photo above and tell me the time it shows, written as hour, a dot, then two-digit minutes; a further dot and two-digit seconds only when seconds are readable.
5.10
